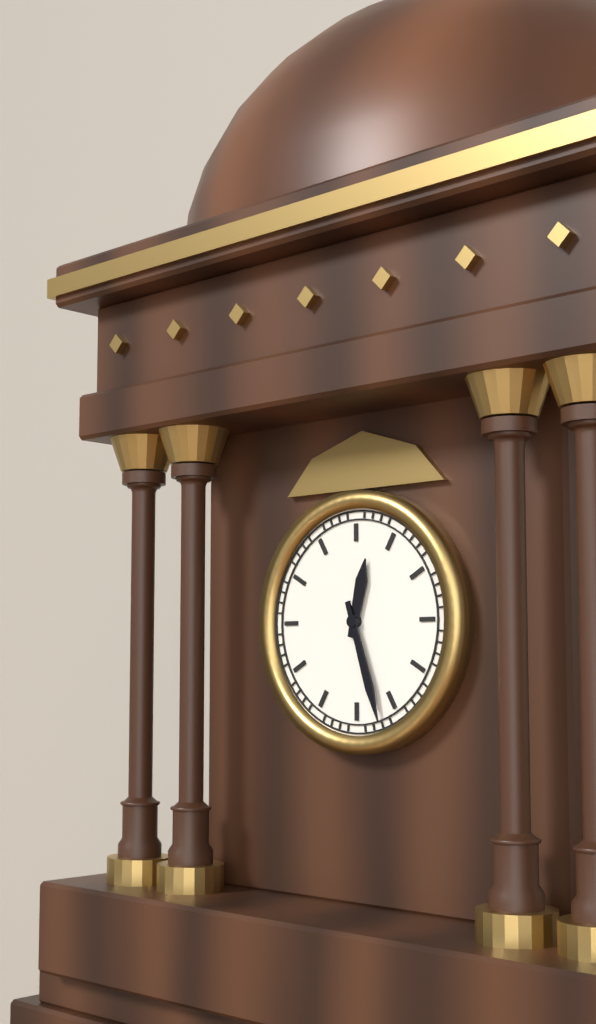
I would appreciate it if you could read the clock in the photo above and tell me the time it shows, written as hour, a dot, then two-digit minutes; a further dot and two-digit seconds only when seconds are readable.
12.27
